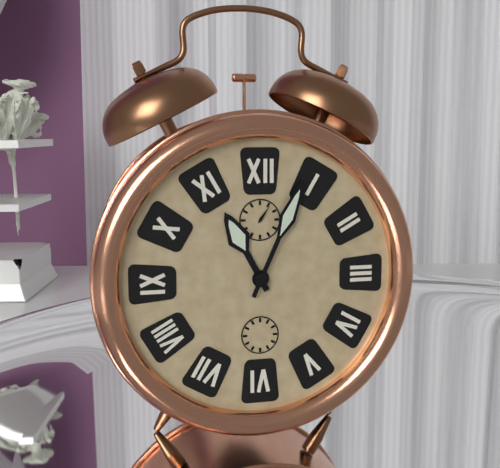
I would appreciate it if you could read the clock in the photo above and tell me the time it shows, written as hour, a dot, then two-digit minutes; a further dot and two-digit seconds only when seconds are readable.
11.04
